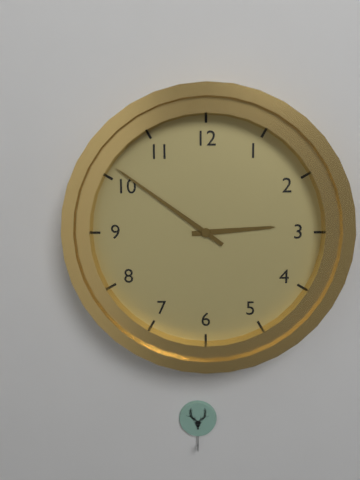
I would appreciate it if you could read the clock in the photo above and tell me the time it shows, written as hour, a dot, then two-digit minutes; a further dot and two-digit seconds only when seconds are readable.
2.51
